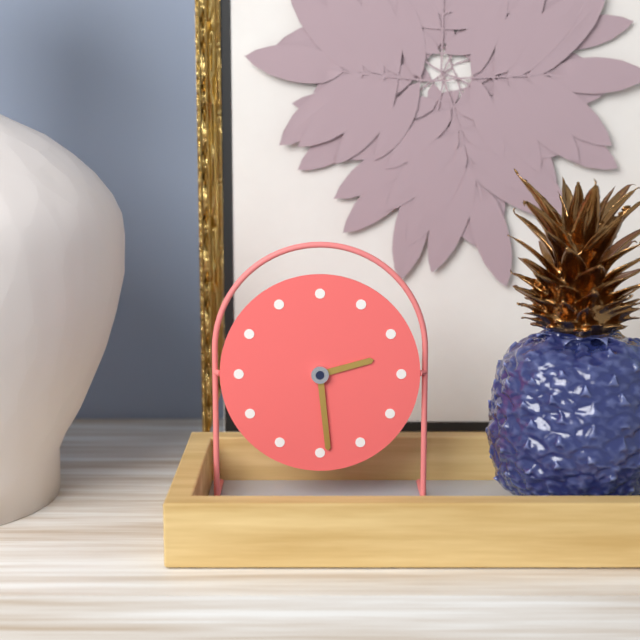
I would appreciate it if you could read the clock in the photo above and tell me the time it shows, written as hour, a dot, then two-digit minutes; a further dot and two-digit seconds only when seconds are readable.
2.29
